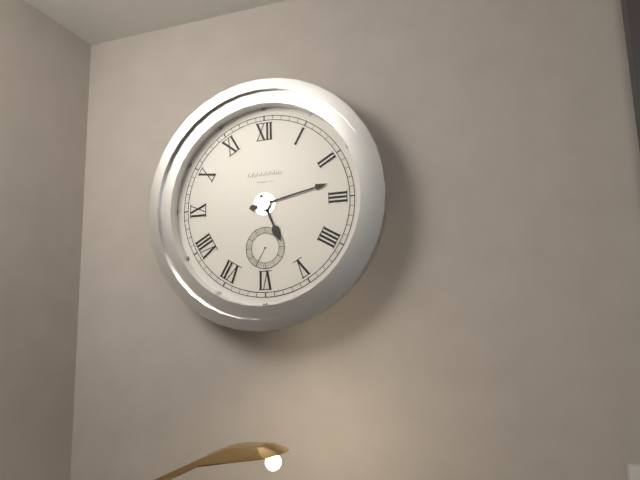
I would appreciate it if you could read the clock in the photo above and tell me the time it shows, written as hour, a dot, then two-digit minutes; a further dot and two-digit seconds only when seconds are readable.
5.13
